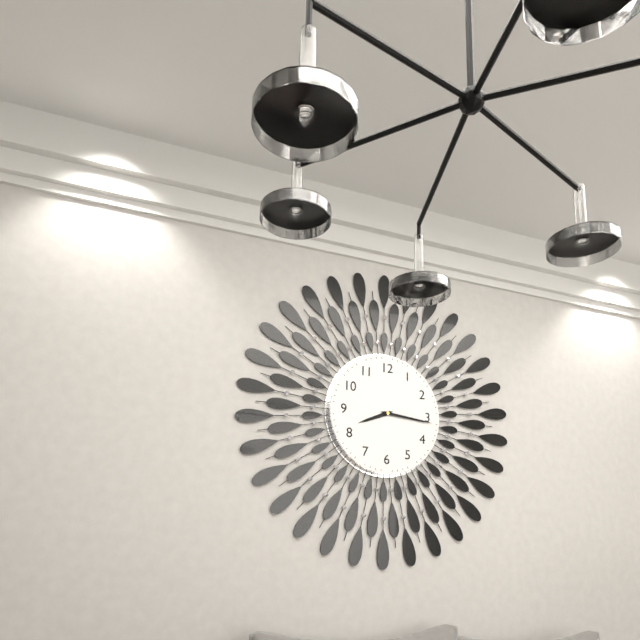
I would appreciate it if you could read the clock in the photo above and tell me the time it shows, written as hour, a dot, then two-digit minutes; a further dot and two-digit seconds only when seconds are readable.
8.16
